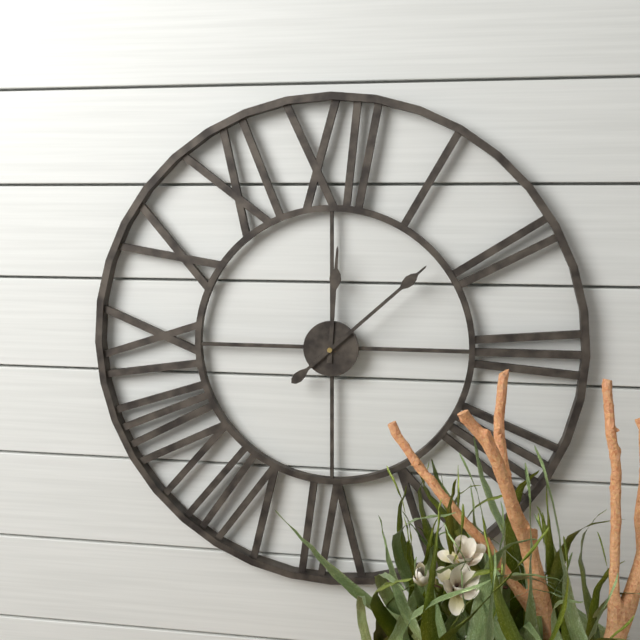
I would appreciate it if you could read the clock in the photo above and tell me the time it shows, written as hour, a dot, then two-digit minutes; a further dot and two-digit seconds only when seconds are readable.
12.08
